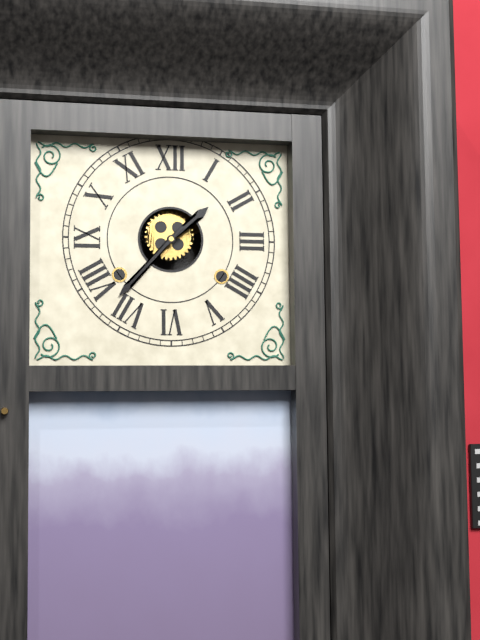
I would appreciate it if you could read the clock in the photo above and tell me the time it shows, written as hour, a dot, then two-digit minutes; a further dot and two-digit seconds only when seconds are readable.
1.37
